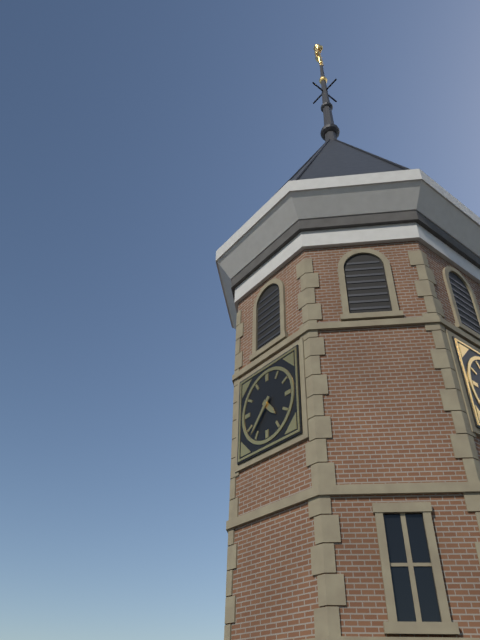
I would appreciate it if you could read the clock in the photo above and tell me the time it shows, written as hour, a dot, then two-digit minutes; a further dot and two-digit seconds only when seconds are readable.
4.37
